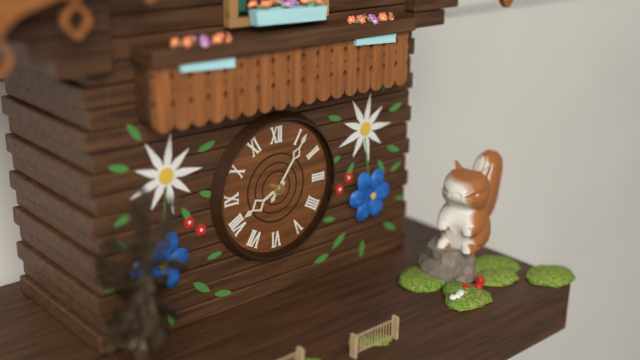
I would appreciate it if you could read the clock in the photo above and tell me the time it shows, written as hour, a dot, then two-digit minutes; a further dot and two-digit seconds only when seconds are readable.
8.06
